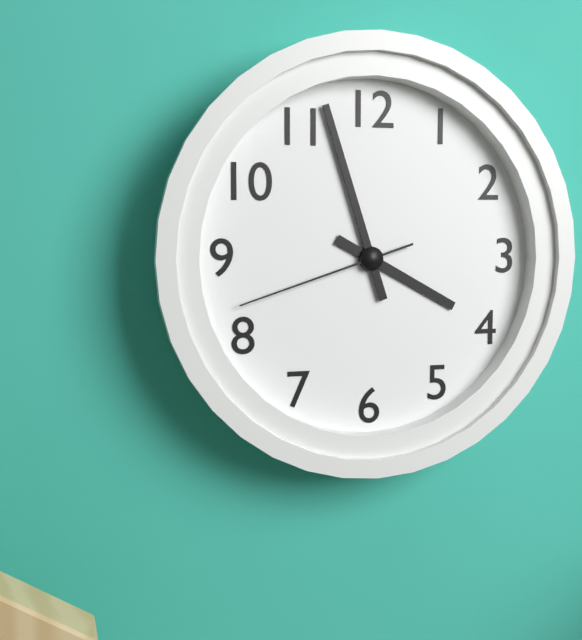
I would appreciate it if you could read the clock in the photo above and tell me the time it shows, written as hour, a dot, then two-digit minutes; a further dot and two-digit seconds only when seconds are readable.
3.57.42
